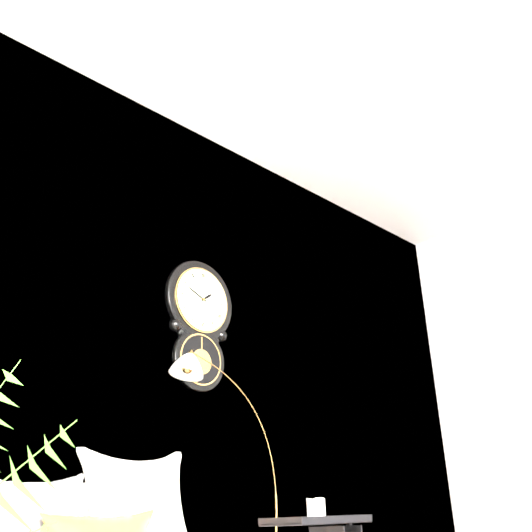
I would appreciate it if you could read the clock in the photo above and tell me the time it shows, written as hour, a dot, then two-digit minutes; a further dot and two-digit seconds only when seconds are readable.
1.49
